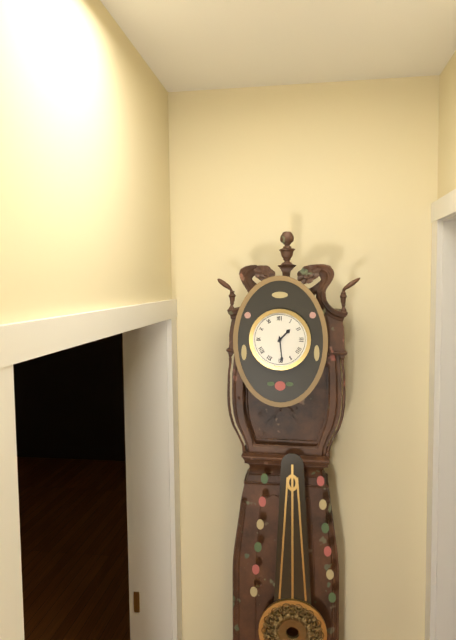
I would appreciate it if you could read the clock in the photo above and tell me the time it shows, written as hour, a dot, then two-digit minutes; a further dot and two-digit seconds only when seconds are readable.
1.29
